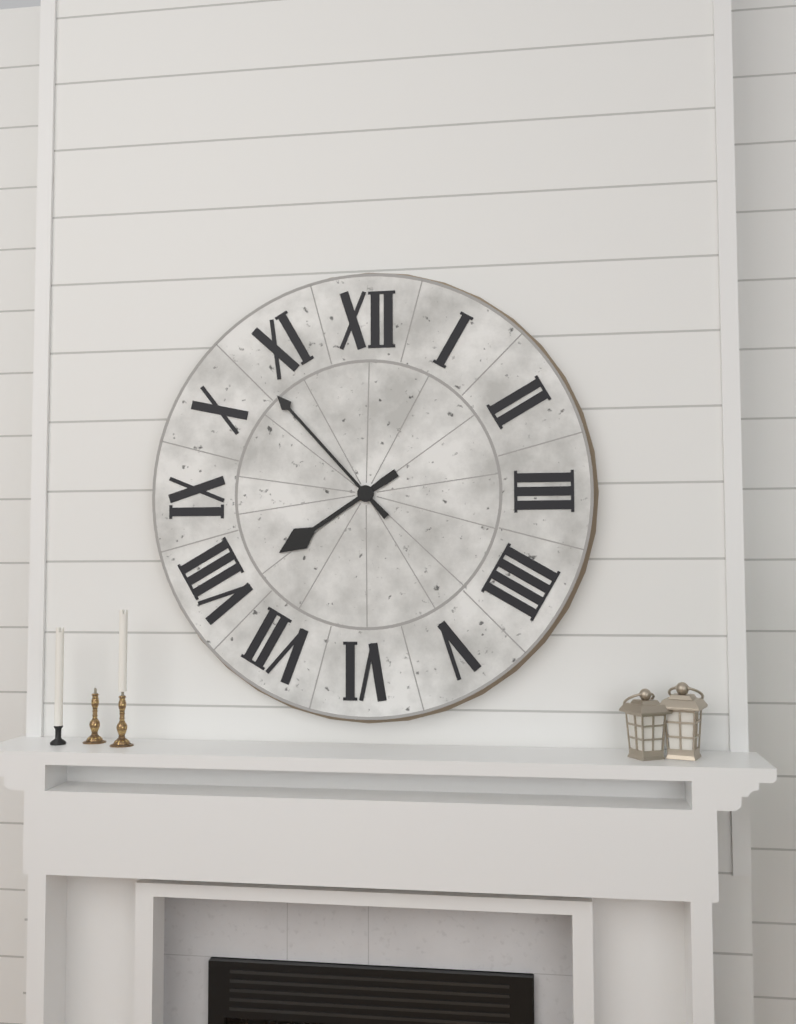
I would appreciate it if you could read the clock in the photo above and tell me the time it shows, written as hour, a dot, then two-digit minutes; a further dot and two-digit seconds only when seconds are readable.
7.53
